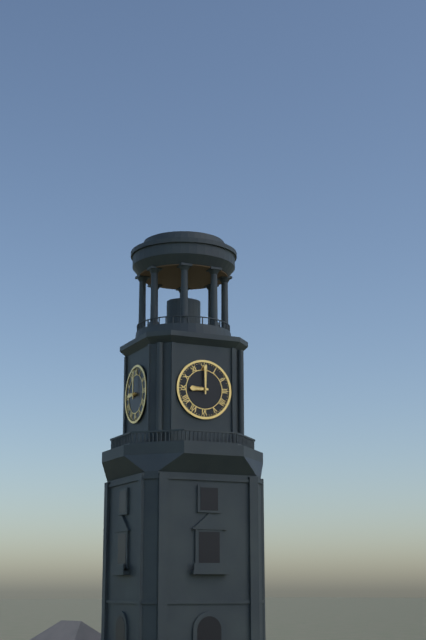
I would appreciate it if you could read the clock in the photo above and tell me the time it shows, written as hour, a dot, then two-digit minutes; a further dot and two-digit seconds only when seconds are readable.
9.00
